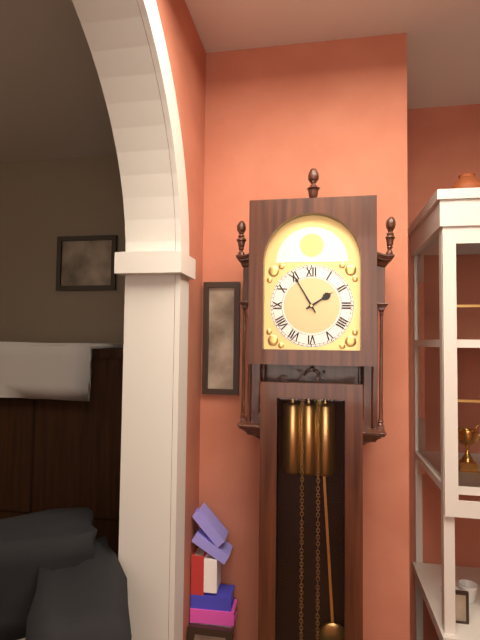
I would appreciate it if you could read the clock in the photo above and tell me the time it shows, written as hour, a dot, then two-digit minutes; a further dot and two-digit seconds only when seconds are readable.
1.55
